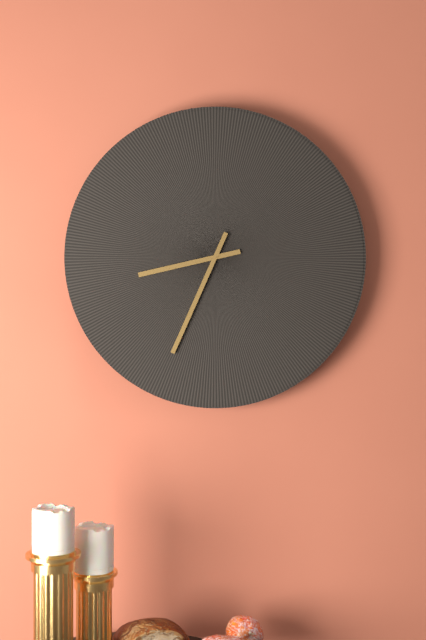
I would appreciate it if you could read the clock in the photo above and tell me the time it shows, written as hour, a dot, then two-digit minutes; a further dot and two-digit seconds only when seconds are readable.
8.34
